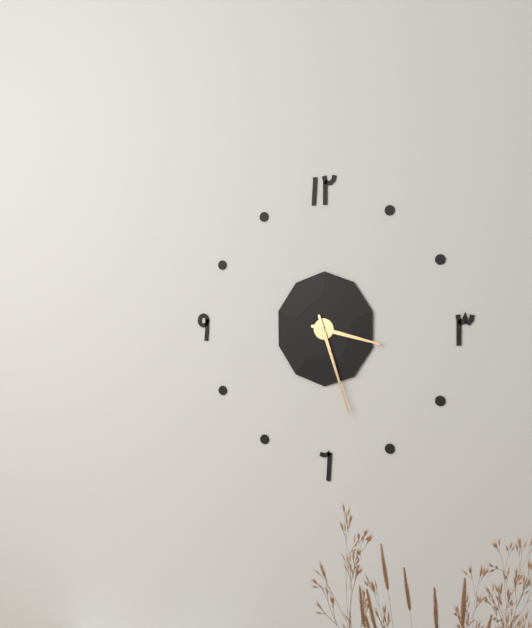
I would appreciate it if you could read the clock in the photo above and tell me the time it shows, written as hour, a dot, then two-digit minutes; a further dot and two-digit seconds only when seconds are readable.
3.27
